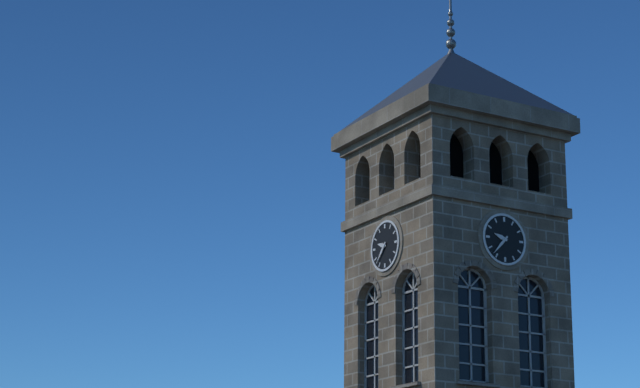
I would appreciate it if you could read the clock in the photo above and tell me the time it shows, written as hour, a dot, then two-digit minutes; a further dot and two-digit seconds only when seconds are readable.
9.37
